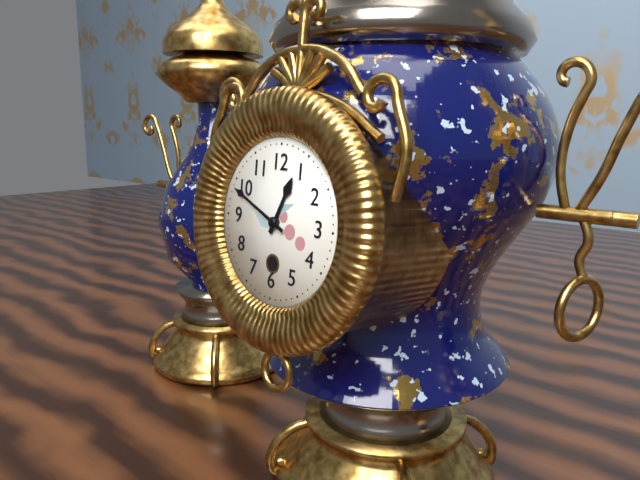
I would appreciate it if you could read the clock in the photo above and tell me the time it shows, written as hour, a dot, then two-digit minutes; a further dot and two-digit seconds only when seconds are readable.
12.49
